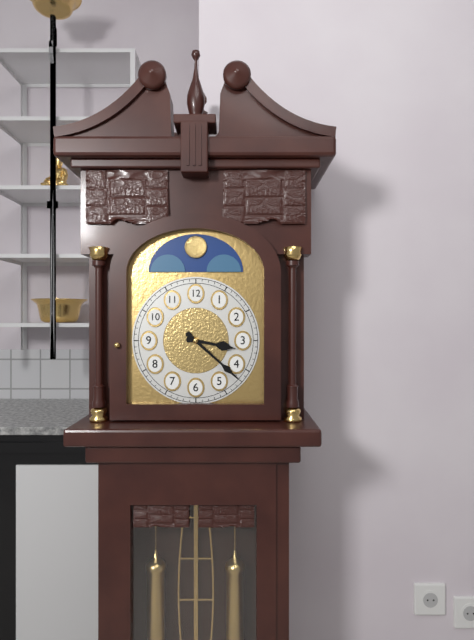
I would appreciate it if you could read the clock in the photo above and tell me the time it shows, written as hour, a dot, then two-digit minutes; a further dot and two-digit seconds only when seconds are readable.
3.22
